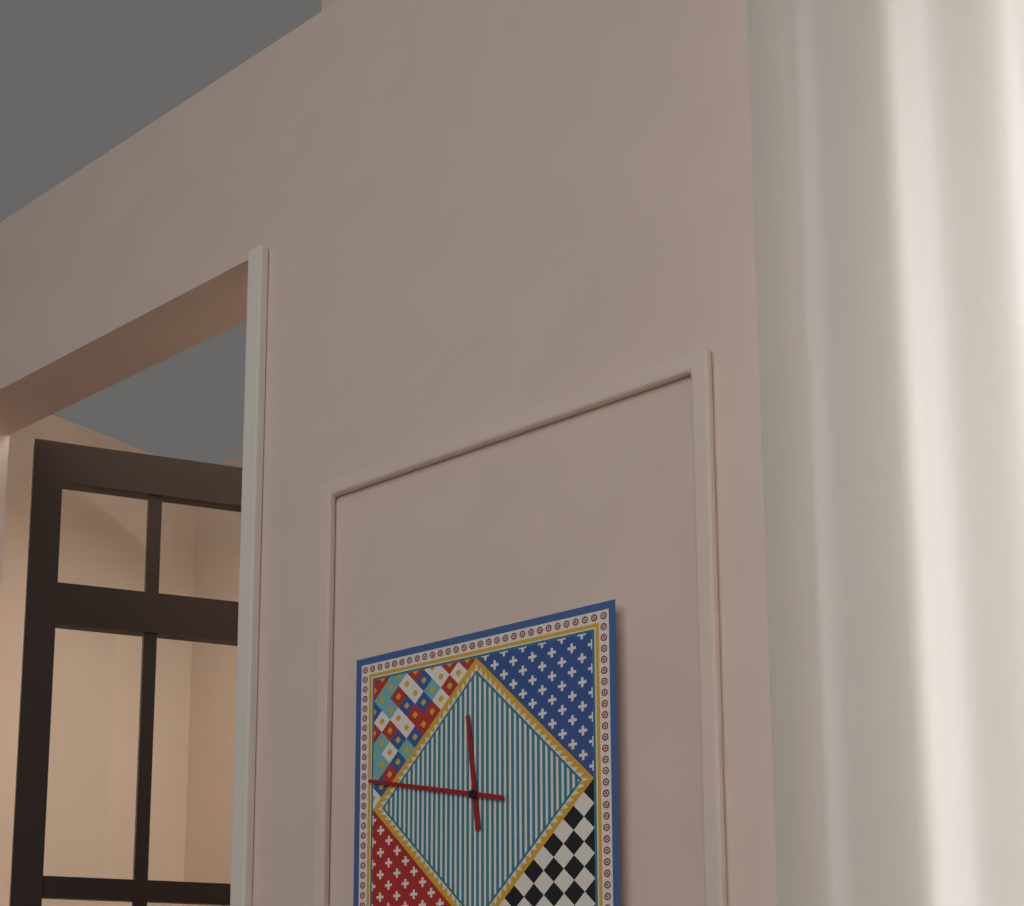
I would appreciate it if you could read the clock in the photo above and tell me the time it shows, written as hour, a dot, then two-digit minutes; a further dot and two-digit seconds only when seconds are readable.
11.47
